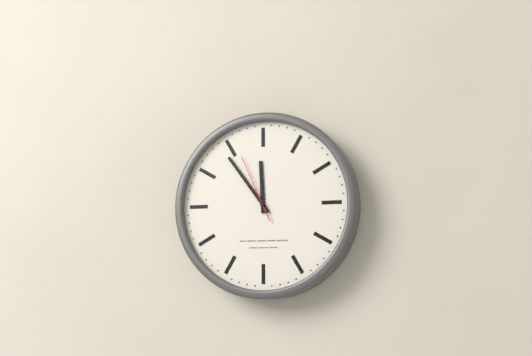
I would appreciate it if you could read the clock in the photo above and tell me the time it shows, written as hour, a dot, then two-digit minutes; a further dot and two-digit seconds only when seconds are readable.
11.54.56
